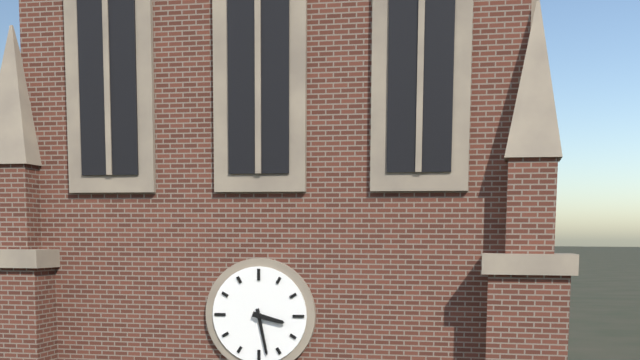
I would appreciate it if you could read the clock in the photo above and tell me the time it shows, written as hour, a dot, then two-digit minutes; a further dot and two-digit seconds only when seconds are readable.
3.28
